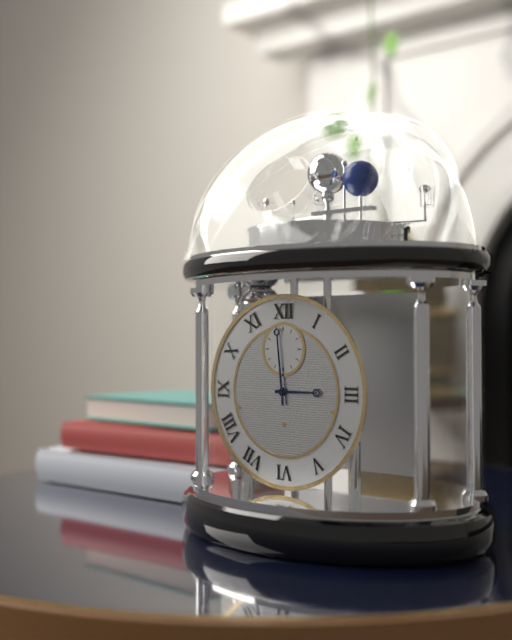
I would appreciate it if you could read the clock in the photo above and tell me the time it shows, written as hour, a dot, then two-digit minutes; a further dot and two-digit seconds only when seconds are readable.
2.59
